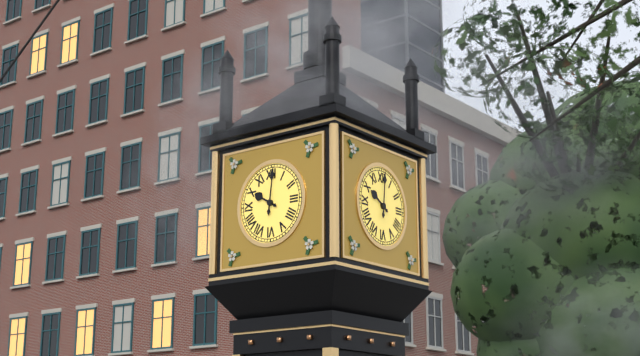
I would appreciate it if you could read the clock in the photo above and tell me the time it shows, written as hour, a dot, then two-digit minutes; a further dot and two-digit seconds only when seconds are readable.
10.01
